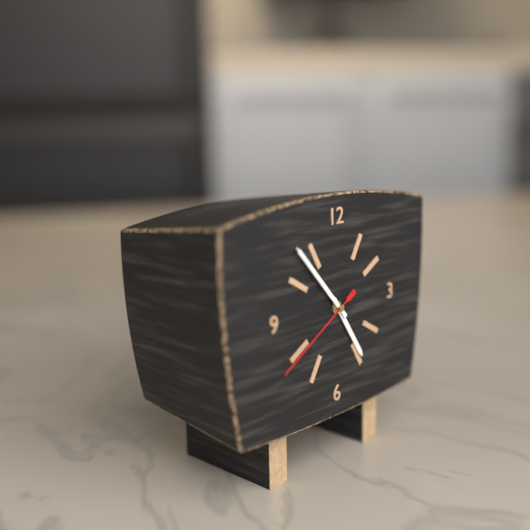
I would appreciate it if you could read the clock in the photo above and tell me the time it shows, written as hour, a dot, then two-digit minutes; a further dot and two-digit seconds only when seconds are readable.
4.53.40
